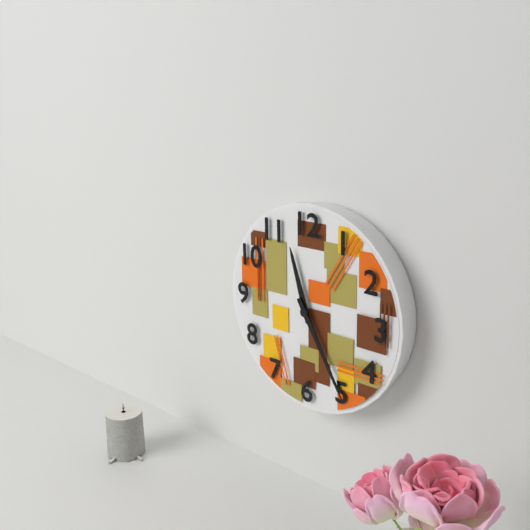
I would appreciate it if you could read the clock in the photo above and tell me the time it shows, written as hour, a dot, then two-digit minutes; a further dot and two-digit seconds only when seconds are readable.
11.25
